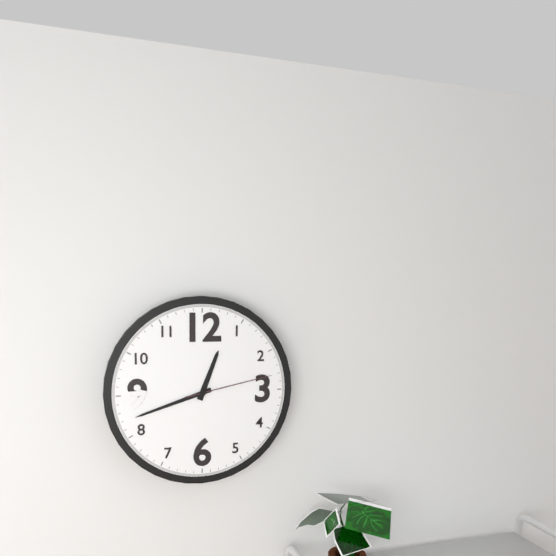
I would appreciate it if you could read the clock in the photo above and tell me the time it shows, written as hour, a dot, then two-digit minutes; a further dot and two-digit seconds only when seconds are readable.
12.42.13
